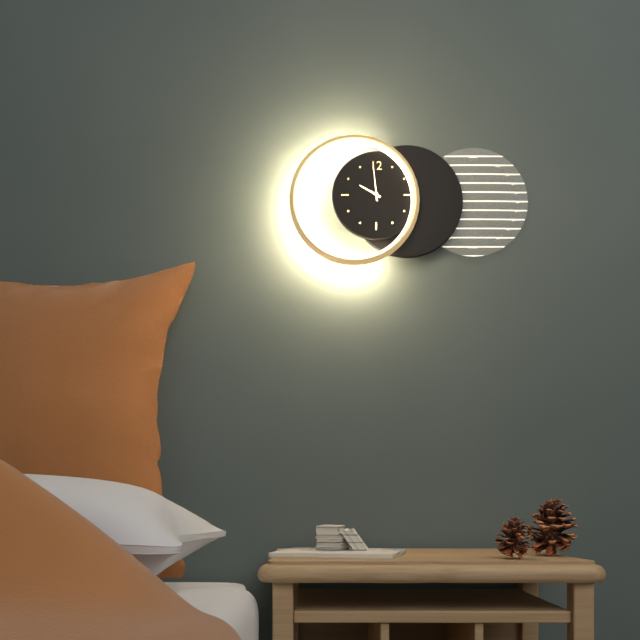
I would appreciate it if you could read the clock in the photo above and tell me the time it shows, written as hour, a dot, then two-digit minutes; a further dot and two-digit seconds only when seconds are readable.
9.59
